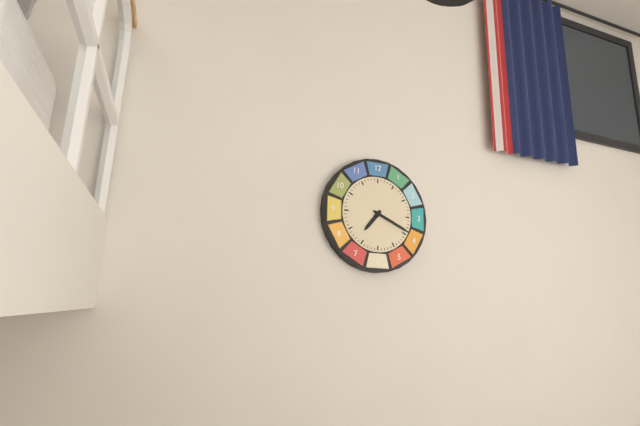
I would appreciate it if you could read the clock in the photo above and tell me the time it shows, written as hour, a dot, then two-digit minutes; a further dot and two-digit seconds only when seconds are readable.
7.19
